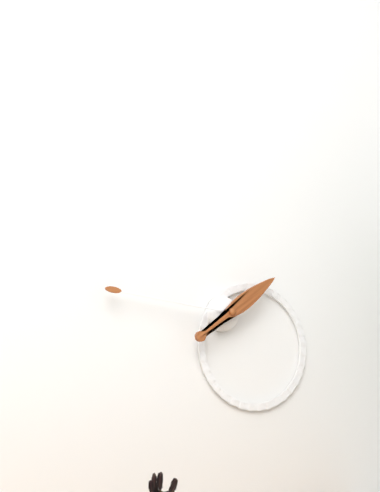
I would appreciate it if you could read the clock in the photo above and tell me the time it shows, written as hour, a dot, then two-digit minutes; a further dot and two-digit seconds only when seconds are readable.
1.46
